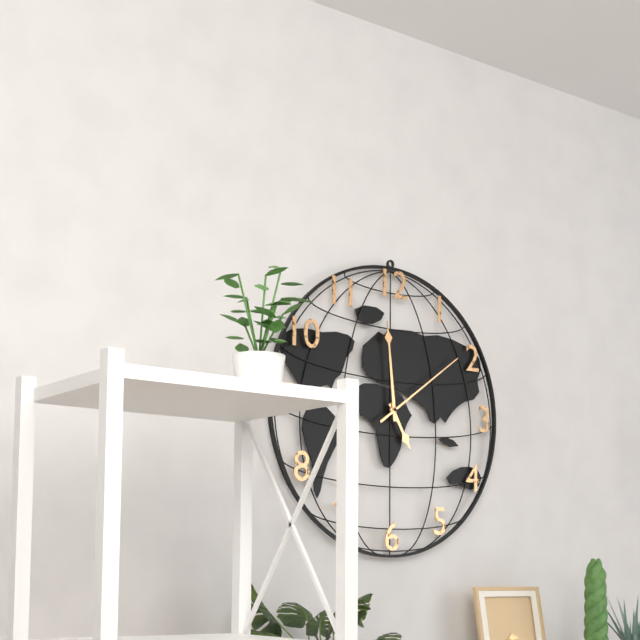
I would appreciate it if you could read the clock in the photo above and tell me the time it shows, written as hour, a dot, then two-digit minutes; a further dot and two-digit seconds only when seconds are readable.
4.59.09
